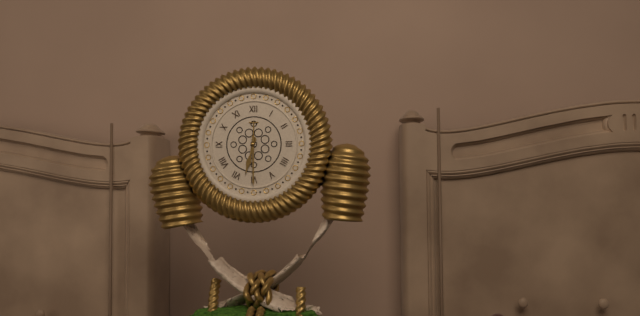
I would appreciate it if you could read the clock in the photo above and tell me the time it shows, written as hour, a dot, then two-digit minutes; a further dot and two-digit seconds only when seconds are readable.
6.30
